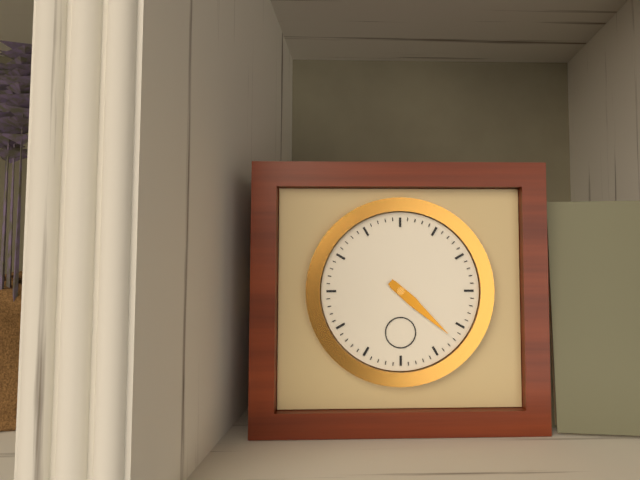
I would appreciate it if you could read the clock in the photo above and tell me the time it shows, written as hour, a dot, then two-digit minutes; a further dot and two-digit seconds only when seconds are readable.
4.22
